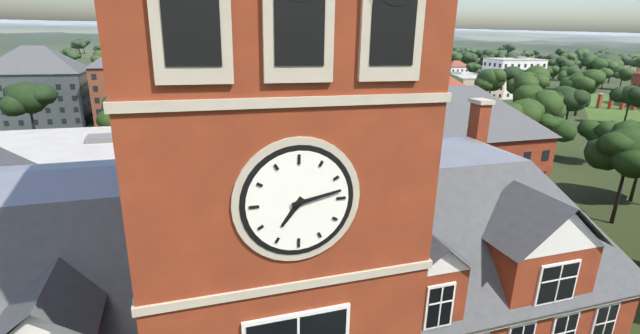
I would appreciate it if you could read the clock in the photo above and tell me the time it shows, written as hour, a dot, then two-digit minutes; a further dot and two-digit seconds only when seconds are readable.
7.13
